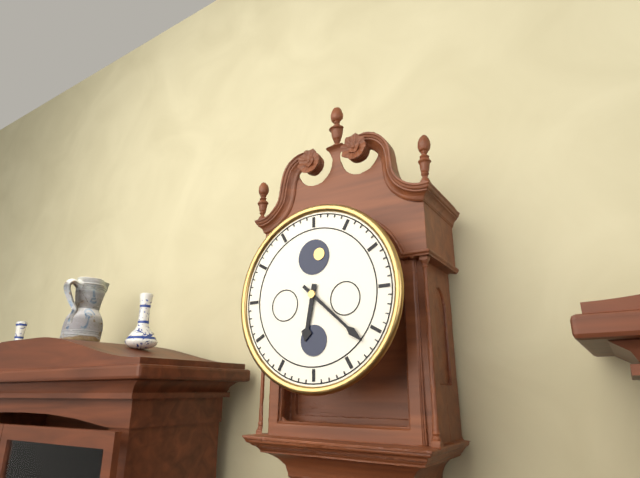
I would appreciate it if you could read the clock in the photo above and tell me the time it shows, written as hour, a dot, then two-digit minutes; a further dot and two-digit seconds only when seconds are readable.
6.22
